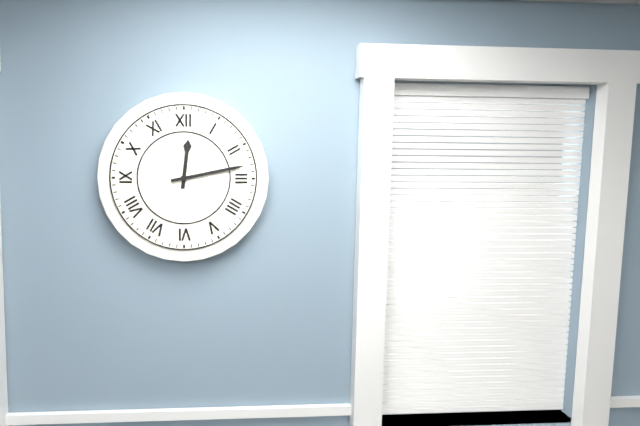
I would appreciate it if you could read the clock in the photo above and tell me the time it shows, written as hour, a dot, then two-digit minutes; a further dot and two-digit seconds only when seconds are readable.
12.13
